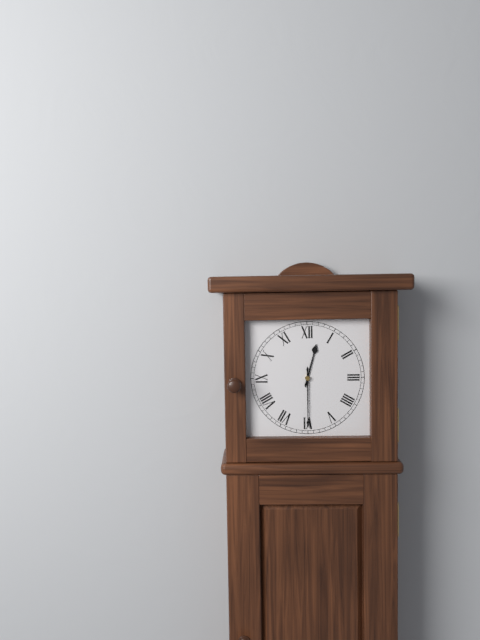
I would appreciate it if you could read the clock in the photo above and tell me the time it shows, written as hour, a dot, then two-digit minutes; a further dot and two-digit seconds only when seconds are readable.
12.30
